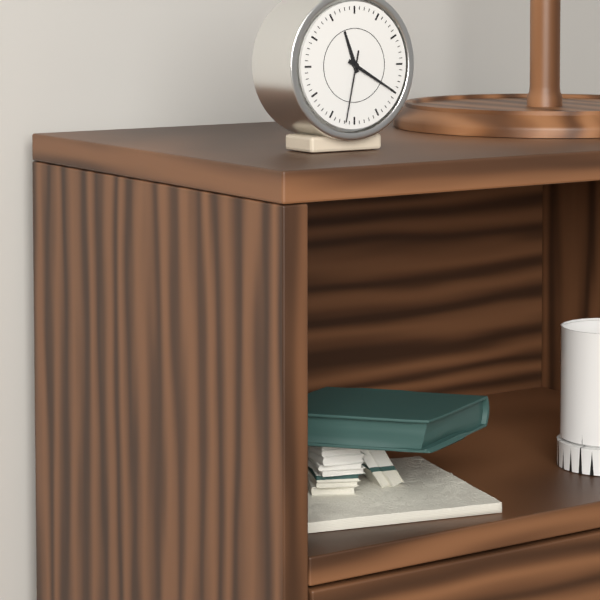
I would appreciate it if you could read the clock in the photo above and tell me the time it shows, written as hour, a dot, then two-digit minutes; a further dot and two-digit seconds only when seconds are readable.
11.20.32
